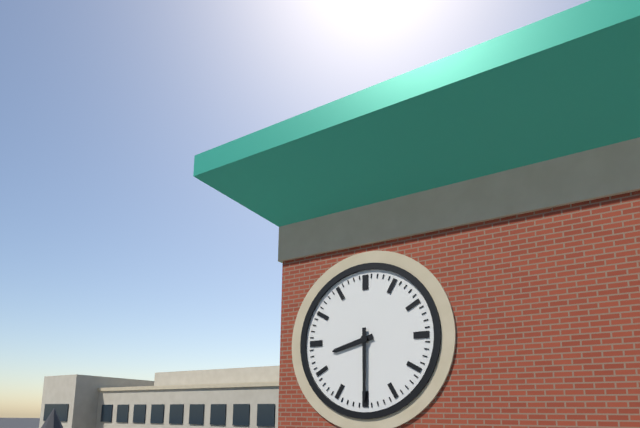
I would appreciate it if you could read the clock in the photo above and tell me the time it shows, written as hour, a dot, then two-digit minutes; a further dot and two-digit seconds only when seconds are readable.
8.30
